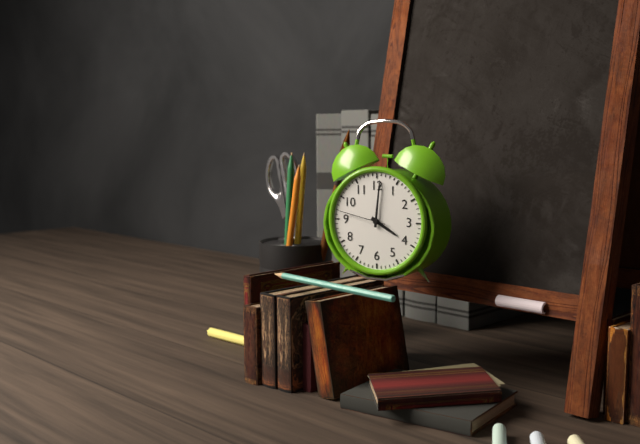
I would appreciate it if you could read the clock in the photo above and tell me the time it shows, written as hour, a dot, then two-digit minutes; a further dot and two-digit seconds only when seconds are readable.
4.01.47
